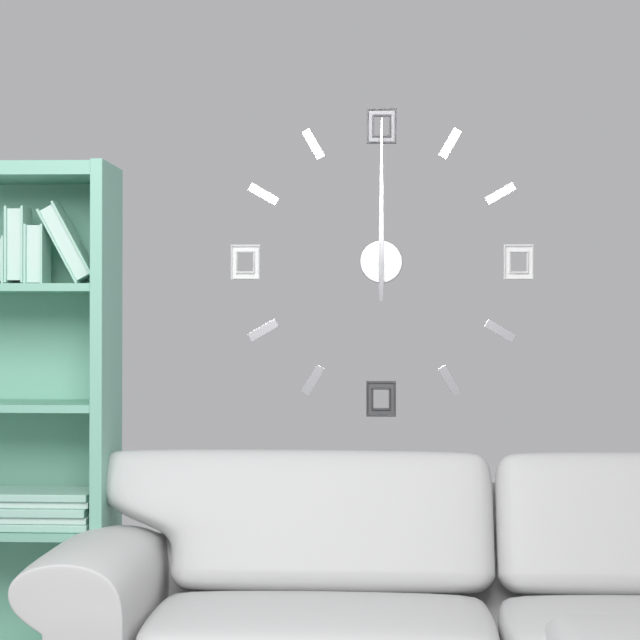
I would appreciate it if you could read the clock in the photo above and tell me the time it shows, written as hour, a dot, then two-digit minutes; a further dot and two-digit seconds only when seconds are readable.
12.00
